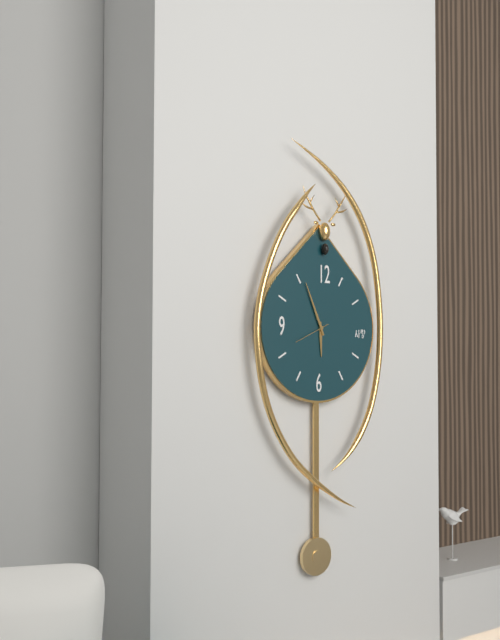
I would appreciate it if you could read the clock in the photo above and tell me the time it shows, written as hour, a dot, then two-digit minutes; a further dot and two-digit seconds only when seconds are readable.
5.56
